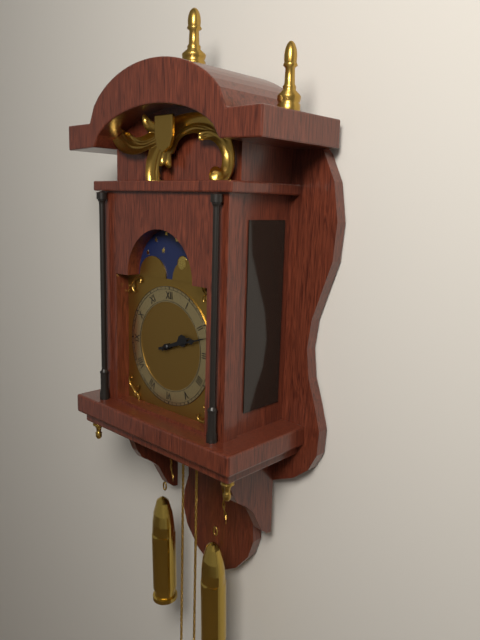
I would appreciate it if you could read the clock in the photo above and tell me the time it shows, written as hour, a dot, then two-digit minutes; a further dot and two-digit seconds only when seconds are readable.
2.12
